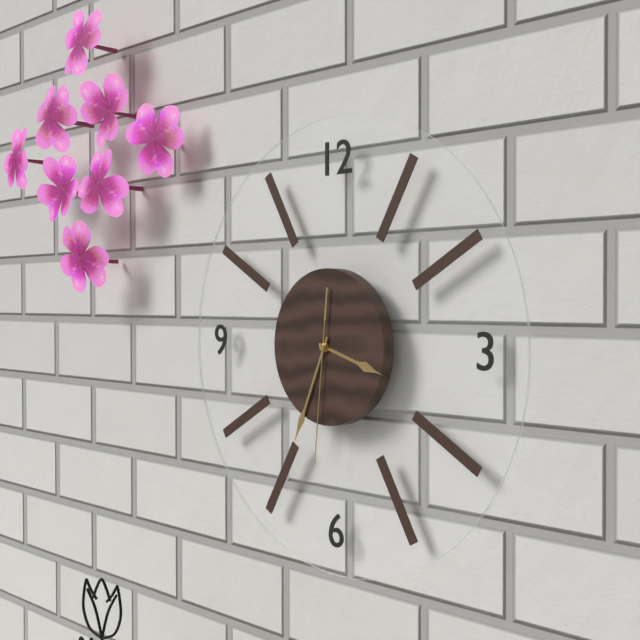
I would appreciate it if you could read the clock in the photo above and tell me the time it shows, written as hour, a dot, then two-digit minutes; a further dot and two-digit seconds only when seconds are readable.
3.34.31
